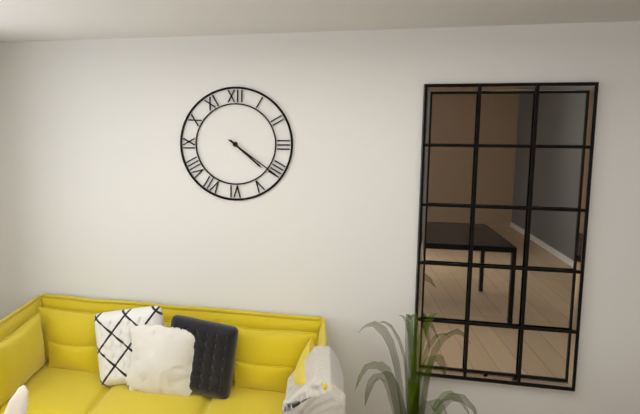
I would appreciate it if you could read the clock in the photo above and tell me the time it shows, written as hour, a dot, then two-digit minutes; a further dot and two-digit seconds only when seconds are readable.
4.21
